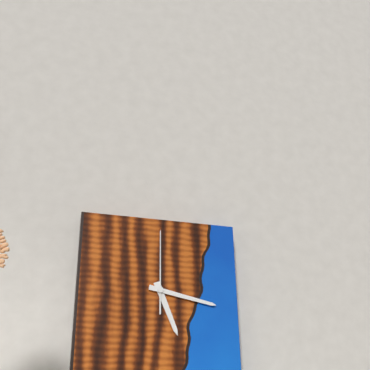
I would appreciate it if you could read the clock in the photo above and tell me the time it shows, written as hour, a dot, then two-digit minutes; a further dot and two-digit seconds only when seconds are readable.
5.17.00
